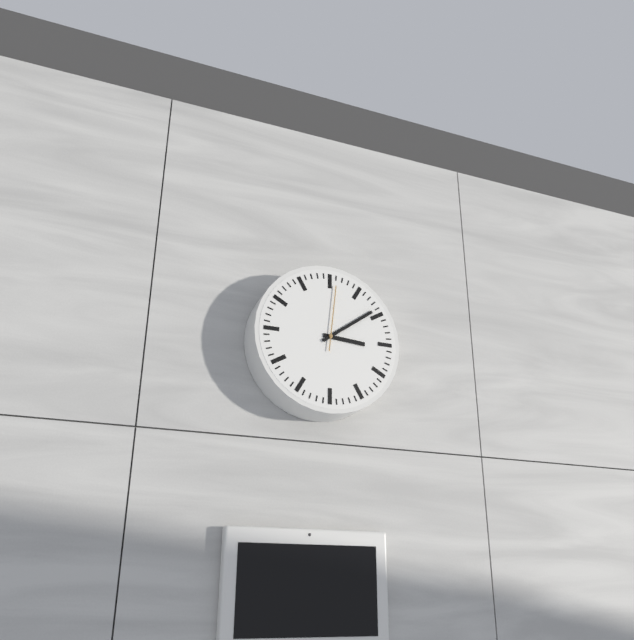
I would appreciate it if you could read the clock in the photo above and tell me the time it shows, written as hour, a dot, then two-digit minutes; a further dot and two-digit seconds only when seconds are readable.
3.09.01
